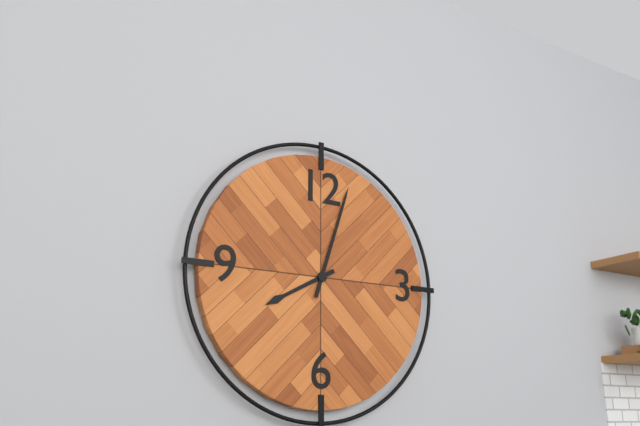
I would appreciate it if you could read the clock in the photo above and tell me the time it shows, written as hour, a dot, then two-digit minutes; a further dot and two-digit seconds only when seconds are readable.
8.03
